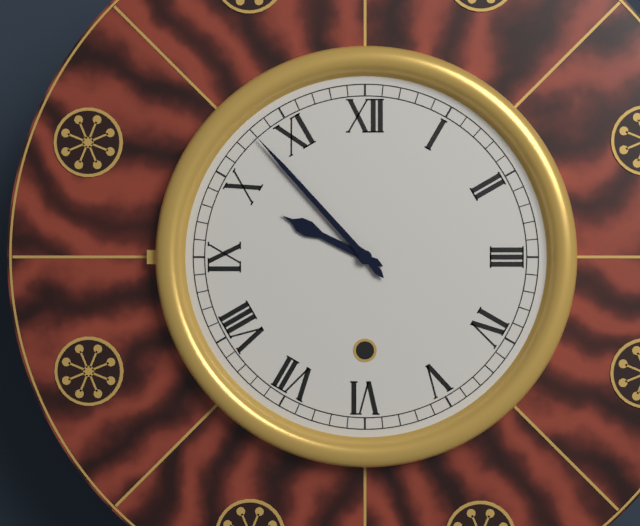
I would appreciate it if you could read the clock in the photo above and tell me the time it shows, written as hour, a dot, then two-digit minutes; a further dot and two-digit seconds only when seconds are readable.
9.53
